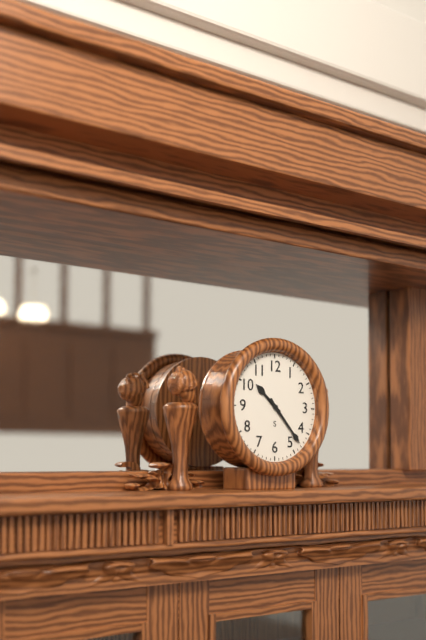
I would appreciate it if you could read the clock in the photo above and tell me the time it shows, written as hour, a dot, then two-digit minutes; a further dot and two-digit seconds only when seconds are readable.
10.23
